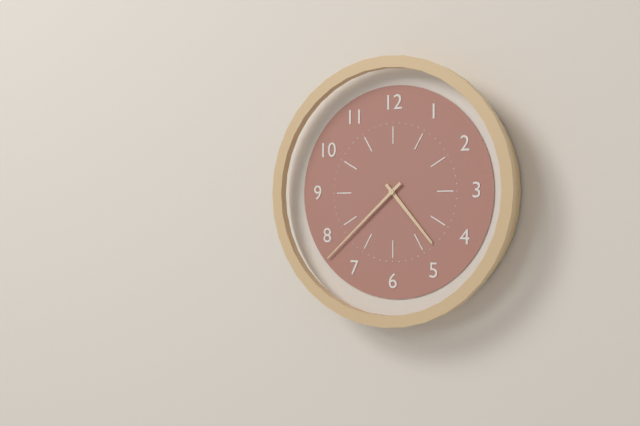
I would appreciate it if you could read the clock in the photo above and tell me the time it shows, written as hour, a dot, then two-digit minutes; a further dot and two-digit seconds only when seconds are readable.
4.38
